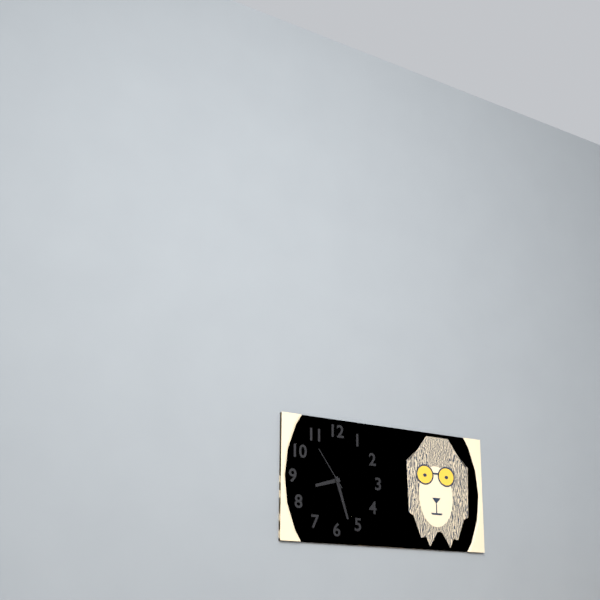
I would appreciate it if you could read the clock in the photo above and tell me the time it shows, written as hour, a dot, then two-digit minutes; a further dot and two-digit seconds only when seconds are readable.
8.27
